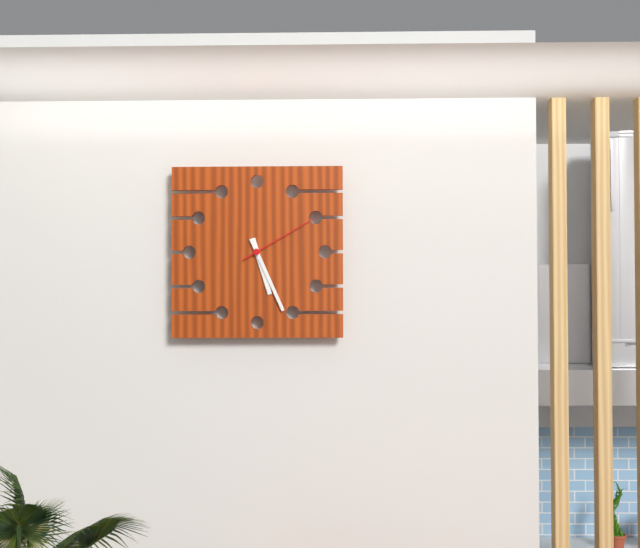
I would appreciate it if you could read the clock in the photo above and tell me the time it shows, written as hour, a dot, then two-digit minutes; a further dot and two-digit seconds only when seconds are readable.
5.26.10
